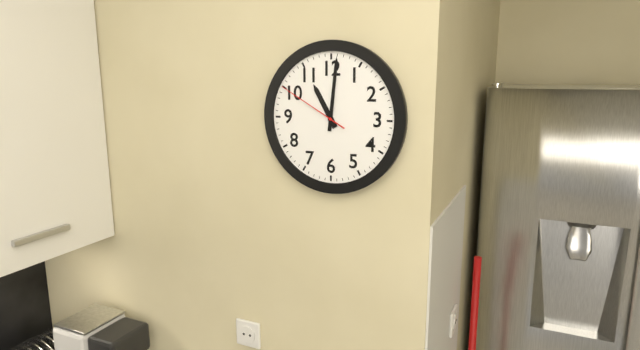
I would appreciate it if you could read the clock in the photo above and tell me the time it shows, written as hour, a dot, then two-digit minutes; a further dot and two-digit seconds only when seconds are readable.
11.01.50
